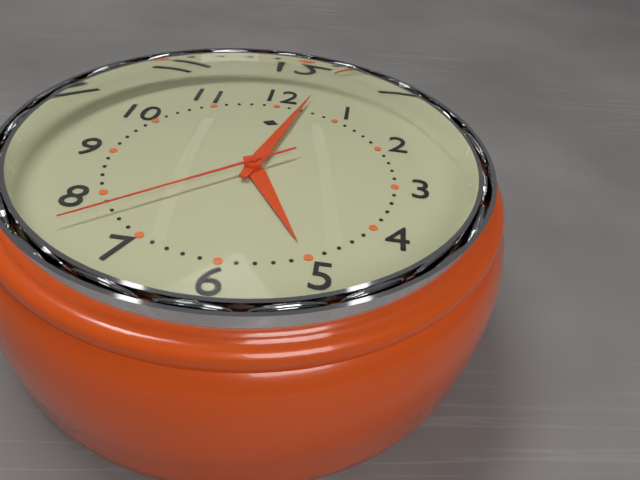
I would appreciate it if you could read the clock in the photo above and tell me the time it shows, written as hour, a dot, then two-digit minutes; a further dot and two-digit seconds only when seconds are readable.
5.02.38
